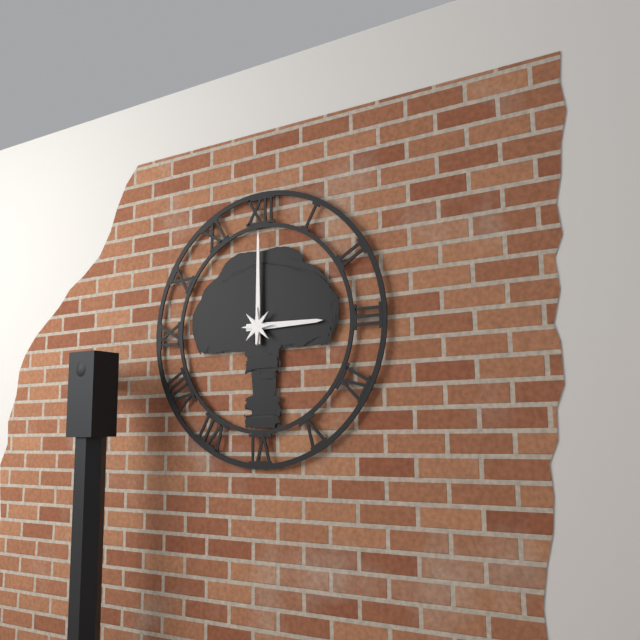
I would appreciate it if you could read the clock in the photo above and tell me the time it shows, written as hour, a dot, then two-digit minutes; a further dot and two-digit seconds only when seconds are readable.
3.00
